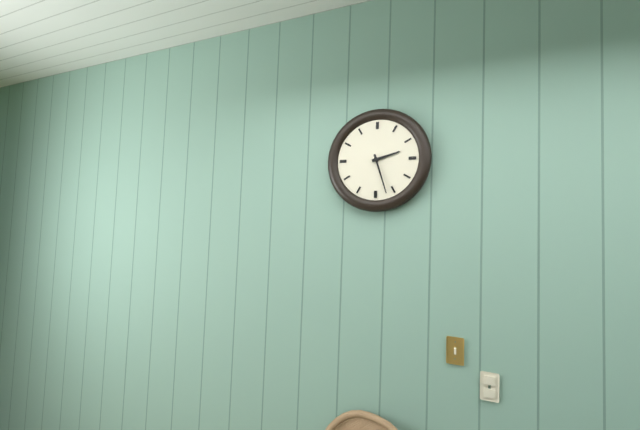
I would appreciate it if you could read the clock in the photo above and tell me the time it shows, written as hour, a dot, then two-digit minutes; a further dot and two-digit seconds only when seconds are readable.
2.27
